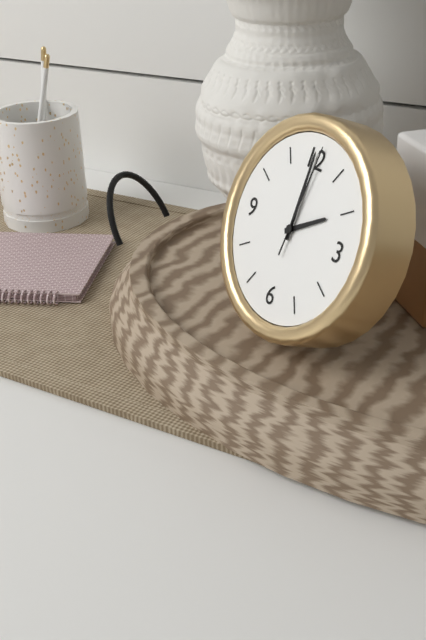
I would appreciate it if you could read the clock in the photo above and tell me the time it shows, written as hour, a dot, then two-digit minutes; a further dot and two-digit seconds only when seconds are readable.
2.00.01
